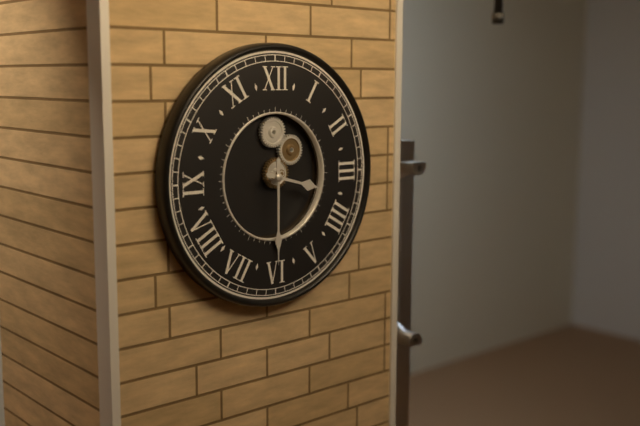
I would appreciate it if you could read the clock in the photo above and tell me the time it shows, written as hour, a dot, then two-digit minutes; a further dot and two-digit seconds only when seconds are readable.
3.30
